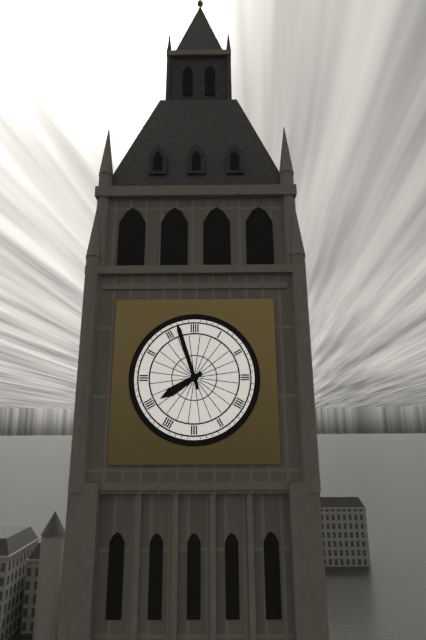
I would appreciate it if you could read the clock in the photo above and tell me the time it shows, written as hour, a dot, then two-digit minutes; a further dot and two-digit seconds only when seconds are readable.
7.57
